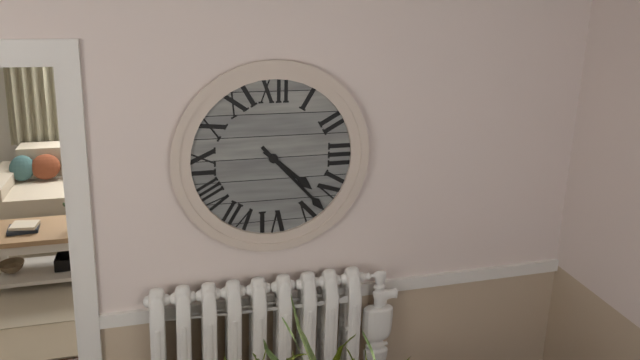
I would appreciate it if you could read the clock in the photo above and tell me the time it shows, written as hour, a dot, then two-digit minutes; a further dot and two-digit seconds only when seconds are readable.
4.23
